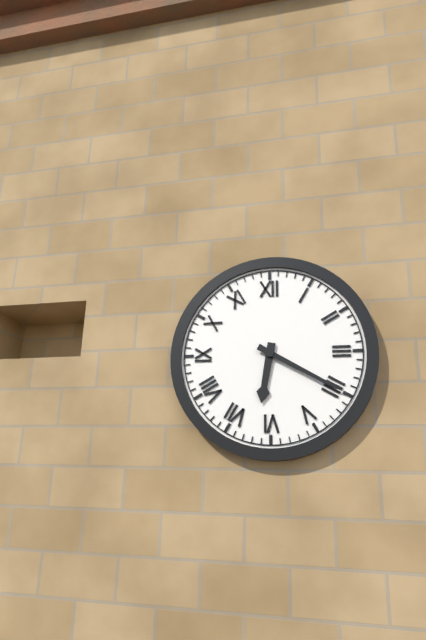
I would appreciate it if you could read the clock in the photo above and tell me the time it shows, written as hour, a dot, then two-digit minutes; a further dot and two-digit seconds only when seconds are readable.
6.20
